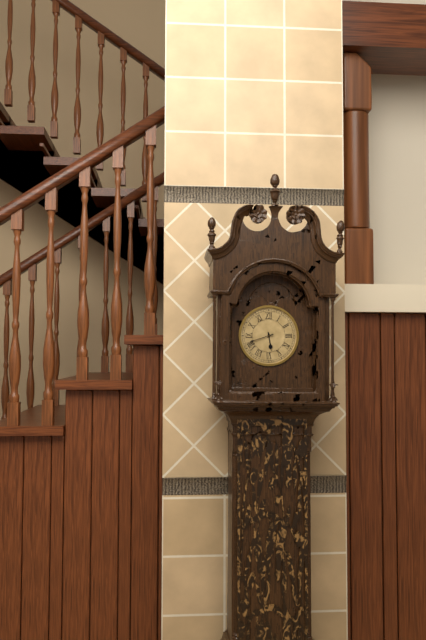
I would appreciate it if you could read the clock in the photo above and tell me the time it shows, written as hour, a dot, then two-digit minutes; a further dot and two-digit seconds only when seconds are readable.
5.42
